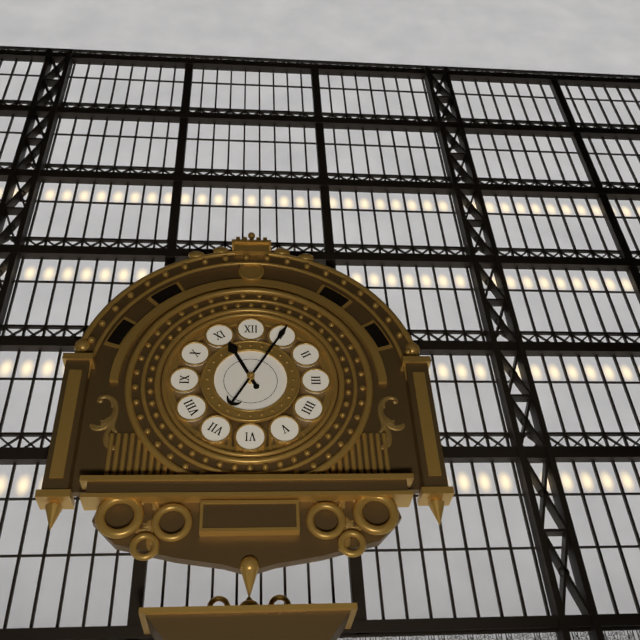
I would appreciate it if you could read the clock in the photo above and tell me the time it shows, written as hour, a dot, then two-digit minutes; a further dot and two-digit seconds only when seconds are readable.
11.05
